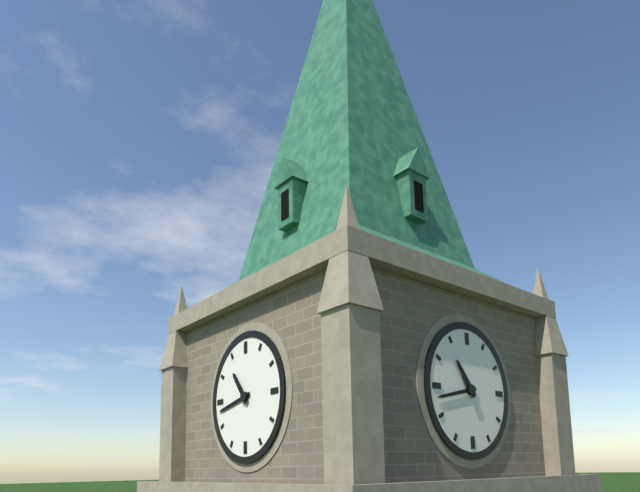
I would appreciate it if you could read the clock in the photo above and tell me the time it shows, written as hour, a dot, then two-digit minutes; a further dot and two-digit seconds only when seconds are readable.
10.43
